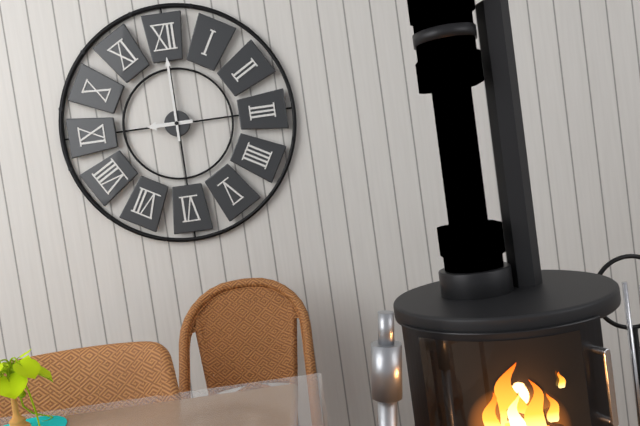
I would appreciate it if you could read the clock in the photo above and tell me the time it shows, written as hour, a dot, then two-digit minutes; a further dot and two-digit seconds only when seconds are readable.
9.00
